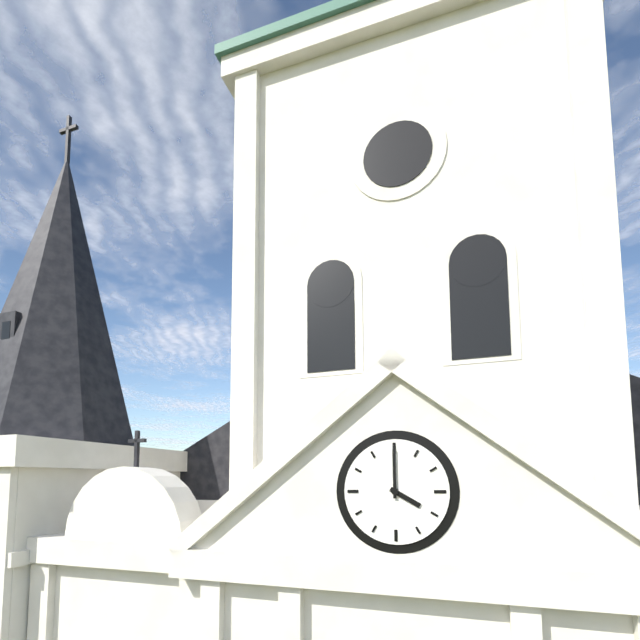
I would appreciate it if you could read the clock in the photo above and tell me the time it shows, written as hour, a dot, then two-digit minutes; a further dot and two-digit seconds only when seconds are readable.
4.00
